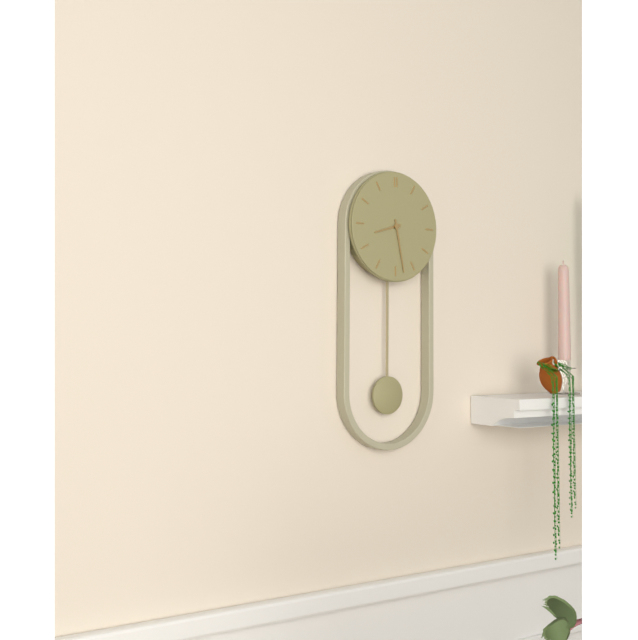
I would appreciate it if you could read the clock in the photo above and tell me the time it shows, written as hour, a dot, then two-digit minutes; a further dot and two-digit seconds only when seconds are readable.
8.28
